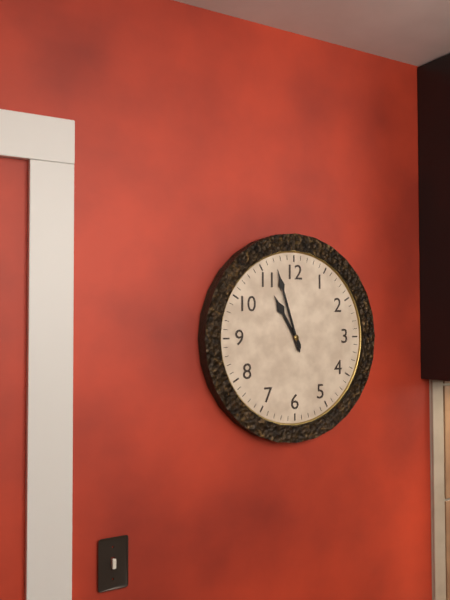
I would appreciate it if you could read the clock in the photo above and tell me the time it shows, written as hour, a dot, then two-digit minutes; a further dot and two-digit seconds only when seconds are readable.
10.57
